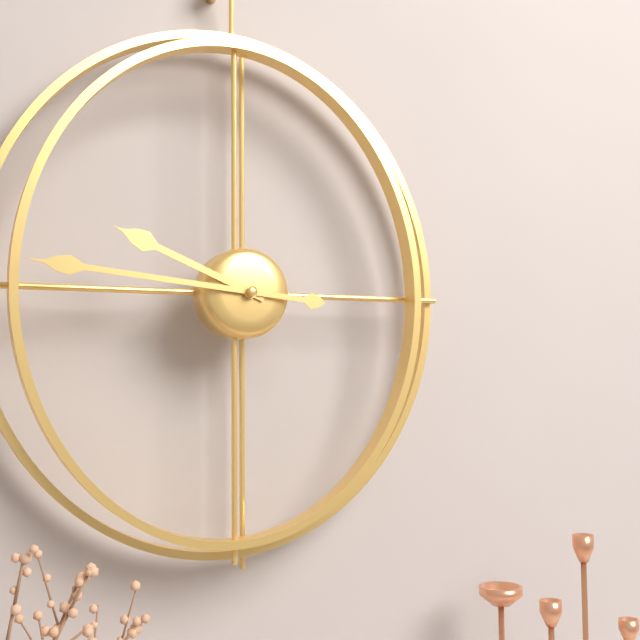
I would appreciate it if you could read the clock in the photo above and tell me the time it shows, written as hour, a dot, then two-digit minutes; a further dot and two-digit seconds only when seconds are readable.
9.46
